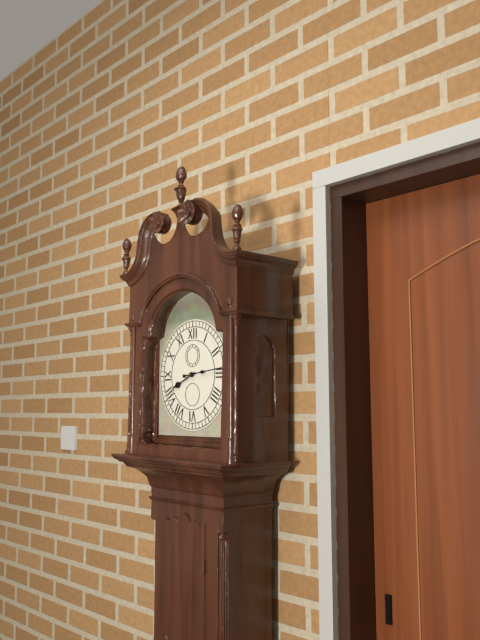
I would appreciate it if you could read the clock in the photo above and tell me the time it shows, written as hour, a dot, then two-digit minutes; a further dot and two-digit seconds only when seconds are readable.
8.14
